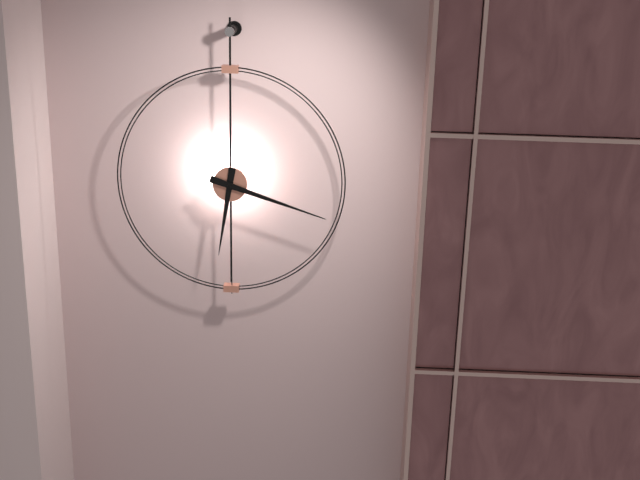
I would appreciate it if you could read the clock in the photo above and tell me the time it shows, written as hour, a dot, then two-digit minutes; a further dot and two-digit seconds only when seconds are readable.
6.18
